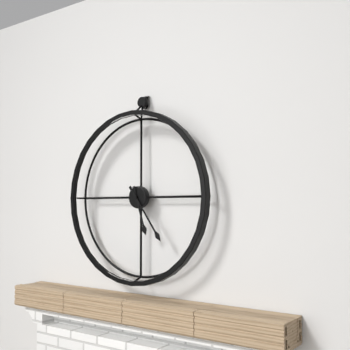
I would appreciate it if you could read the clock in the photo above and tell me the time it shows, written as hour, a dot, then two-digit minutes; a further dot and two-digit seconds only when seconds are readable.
5.24
